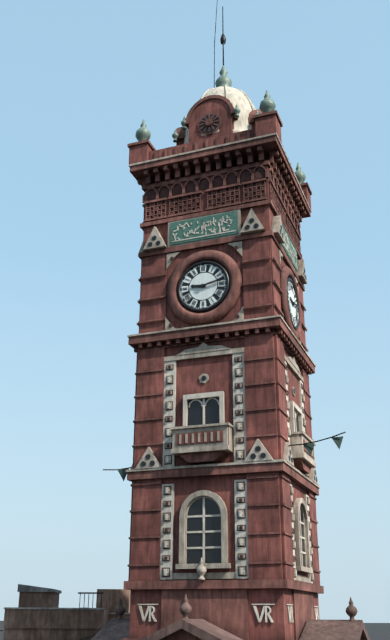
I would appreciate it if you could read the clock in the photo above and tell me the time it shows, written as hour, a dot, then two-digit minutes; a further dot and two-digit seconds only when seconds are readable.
9.13
